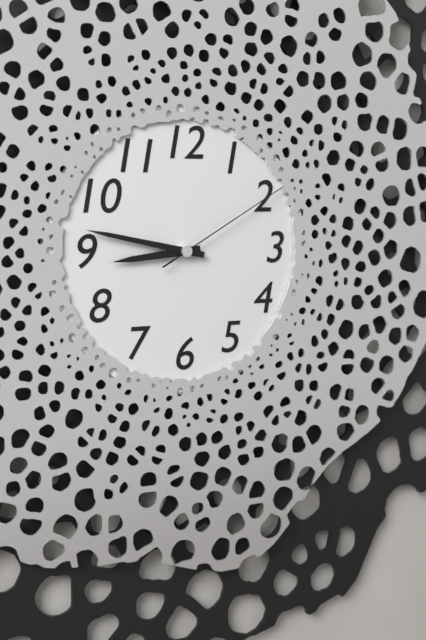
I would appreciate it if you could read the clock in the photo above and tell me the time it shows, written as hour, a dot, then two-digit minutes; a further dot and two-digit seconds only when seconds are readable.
8.47.10
